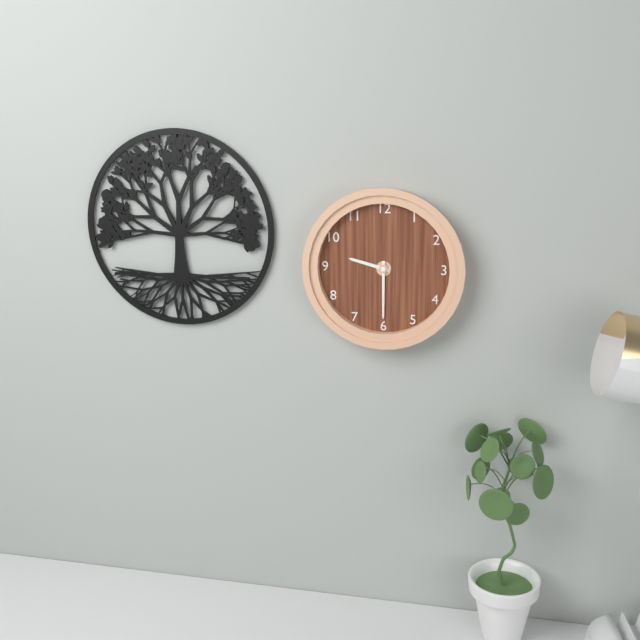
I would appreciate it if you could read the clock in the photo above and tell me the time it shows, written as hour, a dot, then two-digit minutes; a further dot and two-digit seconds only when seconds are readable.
9.30
